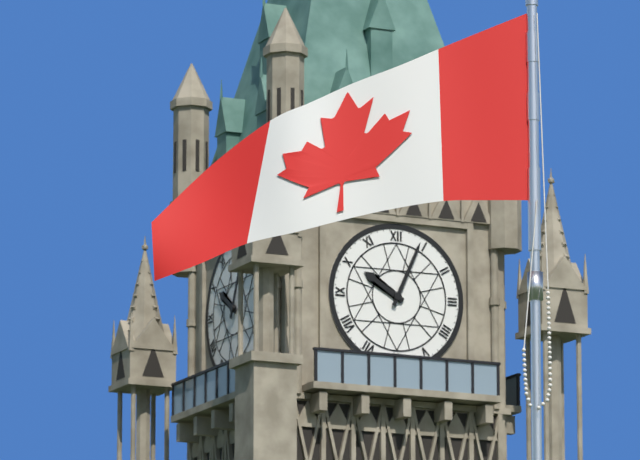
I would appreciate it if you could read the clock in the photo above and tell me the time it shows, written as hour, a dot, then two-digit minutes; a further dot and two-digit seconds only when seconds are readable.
10.04
